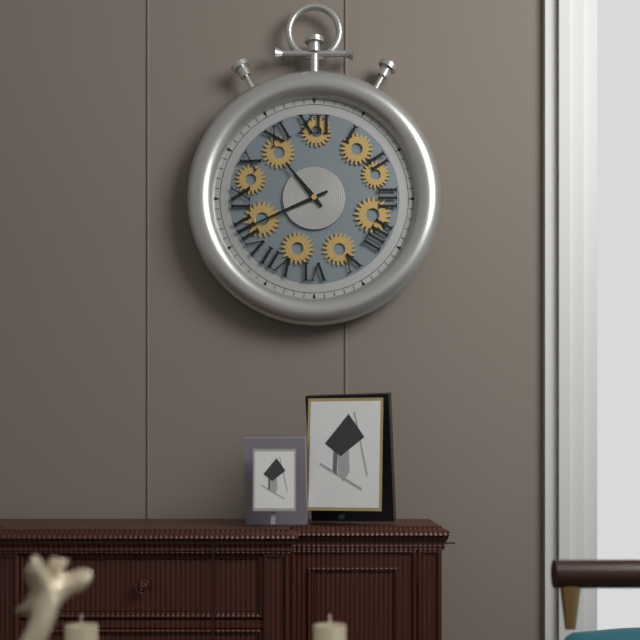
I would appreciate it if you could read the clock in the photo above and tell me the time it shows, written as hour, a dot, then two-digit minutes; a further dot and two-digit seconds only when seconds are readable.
10.41
